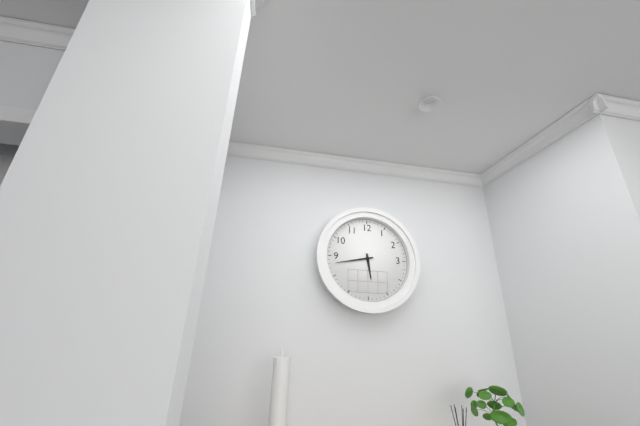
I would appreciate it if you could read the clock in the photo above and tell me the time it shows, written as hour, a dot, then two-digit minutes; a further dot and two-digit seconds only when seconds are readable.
5.43
